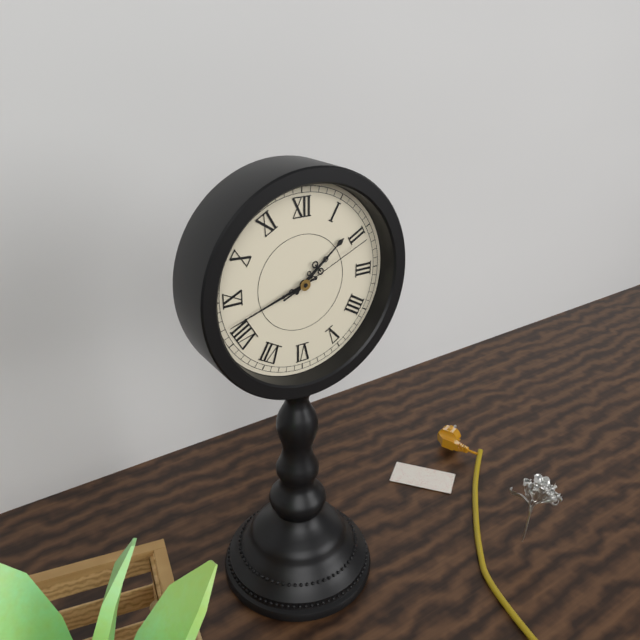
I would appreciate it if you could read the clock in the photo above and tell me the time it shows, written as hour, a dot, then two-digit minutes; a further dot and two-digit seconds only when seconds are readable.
1.42.11
